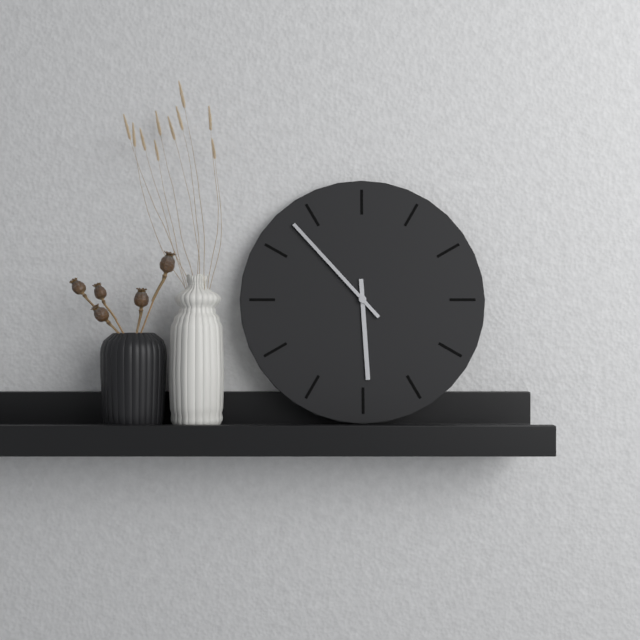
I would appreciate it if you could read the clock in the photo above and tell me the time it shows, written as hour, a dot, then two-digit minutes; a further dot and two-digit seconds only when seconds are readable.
5.53
